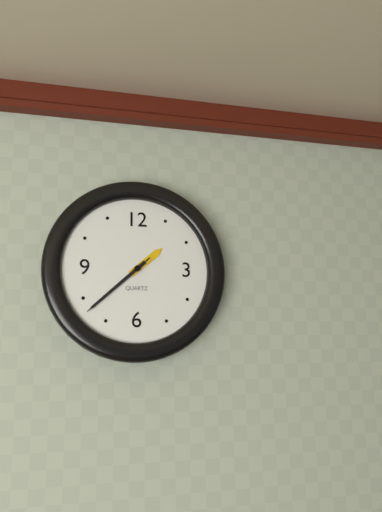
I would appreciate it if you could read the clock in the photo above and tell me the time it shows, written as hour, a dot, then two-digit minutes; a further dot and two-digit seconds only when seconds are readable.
1.38.38
